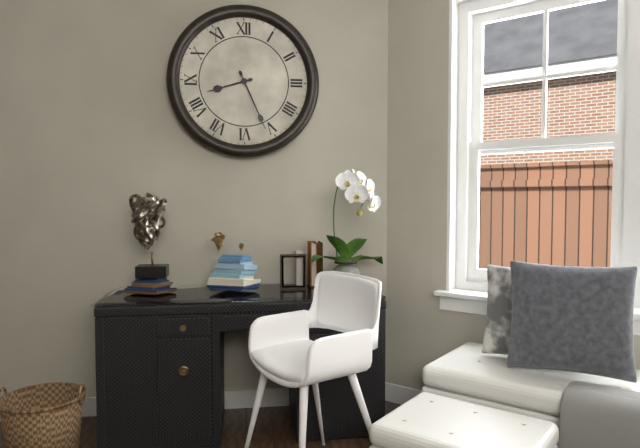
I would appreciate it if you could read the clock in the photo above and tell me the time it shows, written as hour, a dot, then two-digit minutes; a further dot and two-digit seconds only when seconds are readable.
8.26
